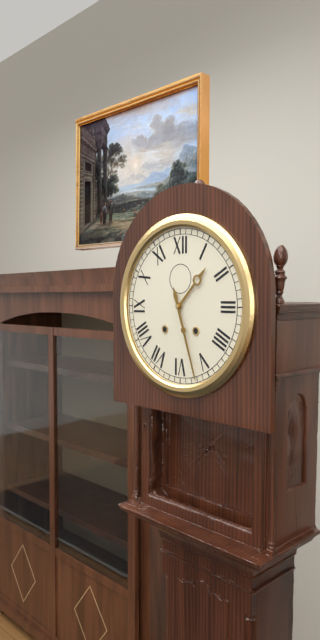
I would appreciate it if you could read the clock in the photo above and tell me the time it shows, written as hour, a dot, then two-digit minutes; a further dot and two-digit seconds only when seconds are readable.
1.27
